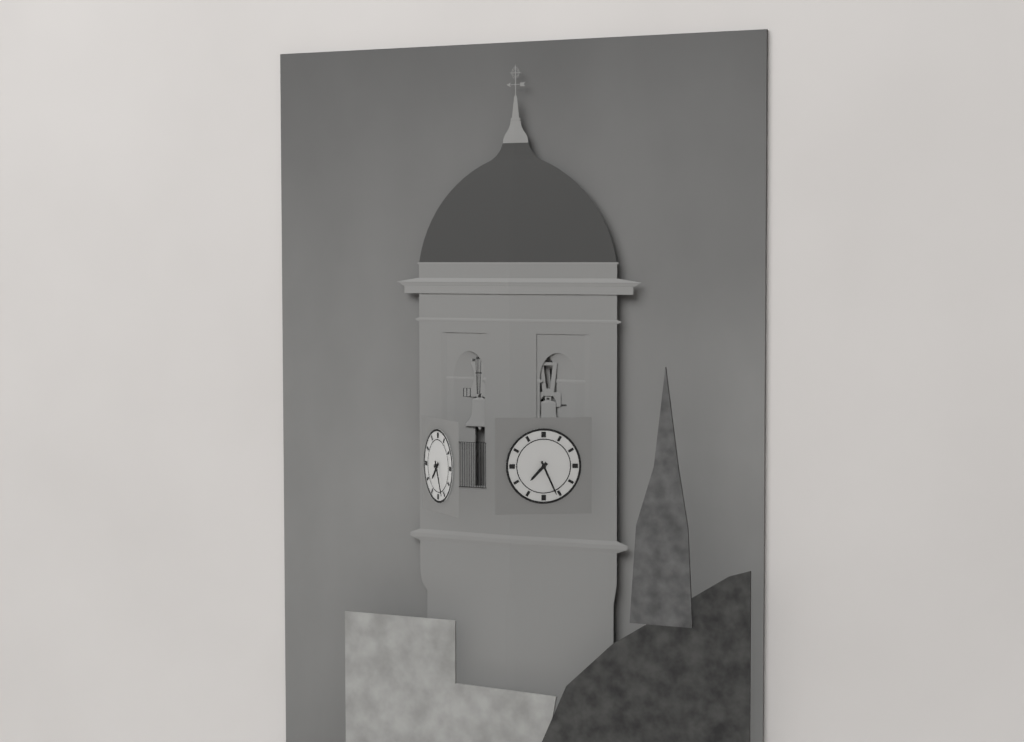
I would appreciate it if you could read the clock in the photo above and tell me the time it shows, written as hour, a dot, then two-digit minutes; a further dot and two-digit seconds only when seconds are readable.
7.26
